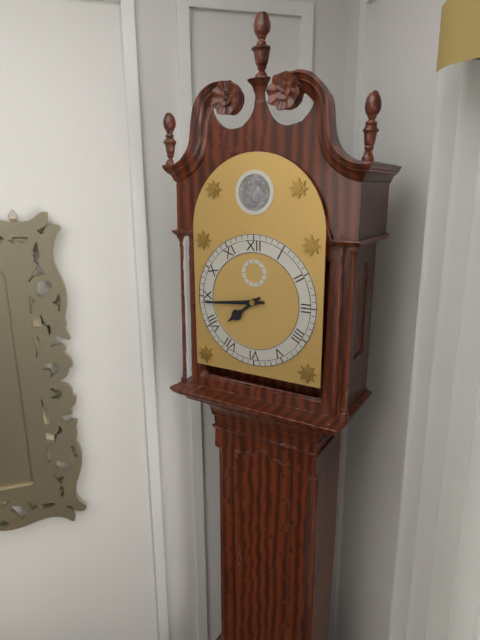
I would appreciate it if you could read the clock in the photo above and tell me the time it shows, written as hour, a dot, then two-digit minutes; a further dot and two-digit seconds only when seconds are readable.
7.44
